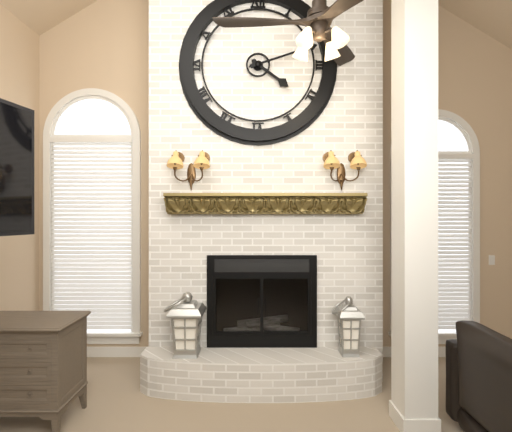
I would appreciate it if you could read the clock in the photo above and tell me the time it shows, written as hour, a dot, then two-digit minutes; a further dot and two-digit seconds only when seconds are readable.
4.12
